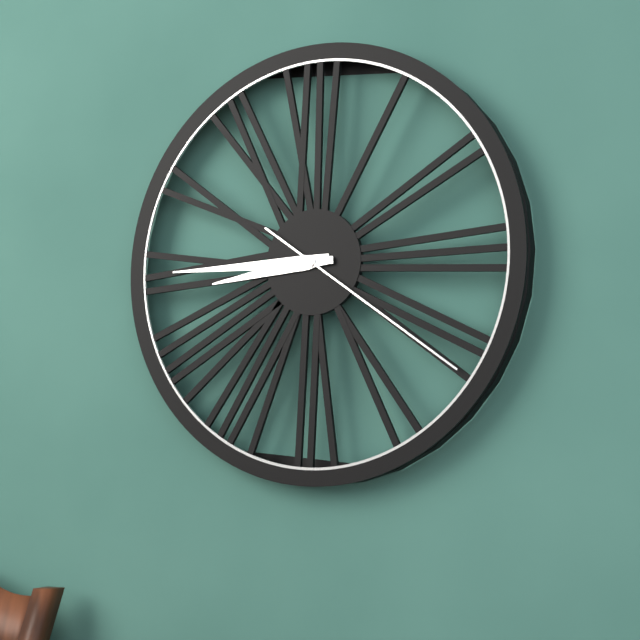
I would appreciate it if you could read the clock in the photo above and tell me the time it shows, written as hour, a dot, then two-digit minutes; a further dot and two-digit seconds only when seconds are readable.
8.45.21
